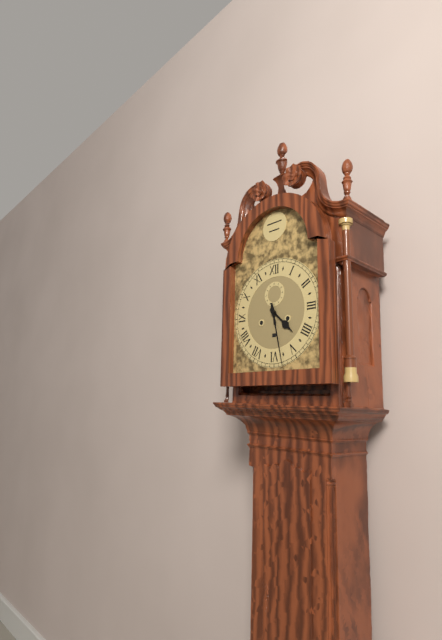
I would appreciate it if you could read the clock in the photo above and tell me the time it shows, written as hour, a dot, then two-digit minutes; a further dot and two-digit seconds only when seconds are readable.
4.28
